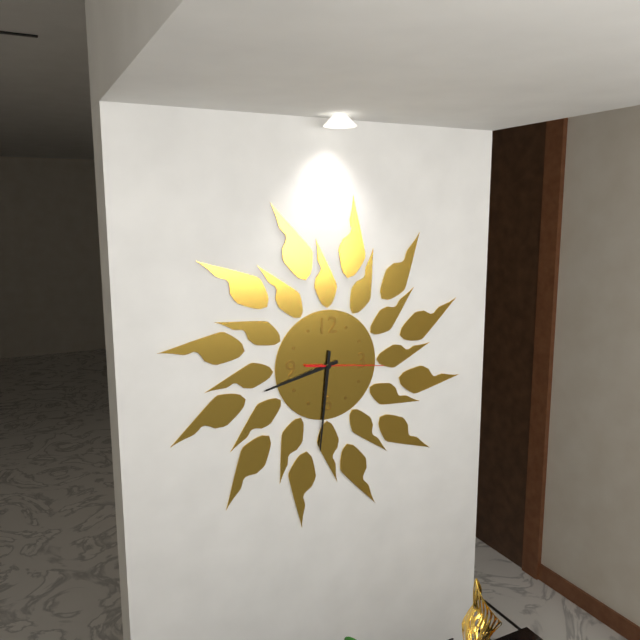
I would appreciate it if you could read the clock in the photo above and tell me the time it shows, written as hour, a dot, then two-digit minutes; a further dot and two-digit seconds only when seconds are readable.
8.31.16
